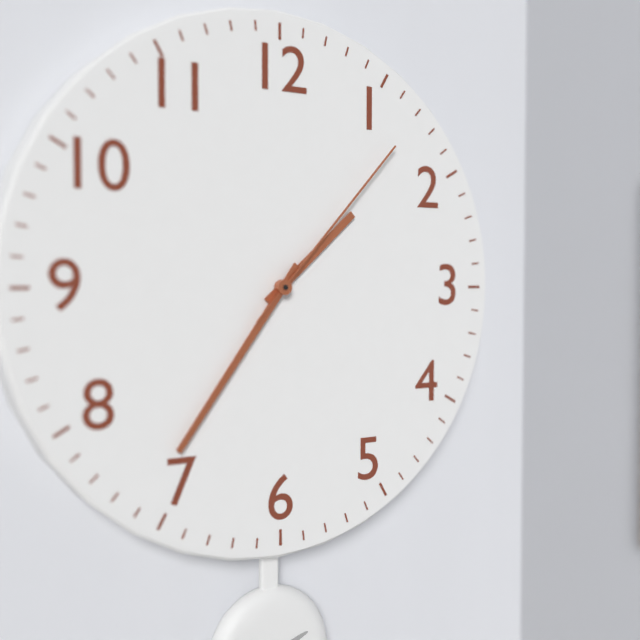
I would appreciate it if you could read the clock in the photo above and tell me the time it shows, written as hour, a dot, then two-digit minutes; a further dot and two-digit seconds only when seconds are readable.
1.36.07
